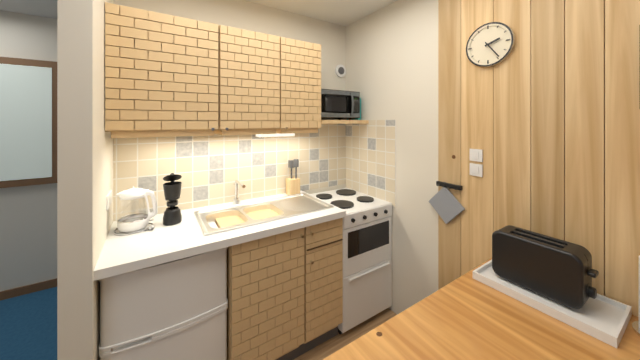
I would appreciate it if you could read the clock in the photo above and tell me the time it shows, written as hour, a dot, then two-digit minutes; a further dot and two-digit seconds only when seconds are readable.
2.24
